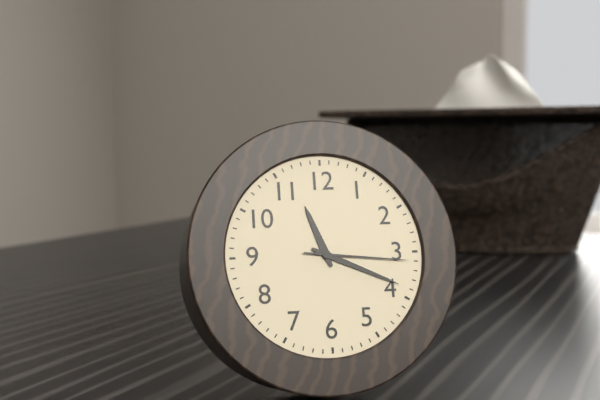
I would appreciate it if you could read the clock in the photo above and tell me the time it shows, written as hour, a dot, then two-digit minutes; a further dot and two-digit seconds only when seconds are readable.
11.19.16
